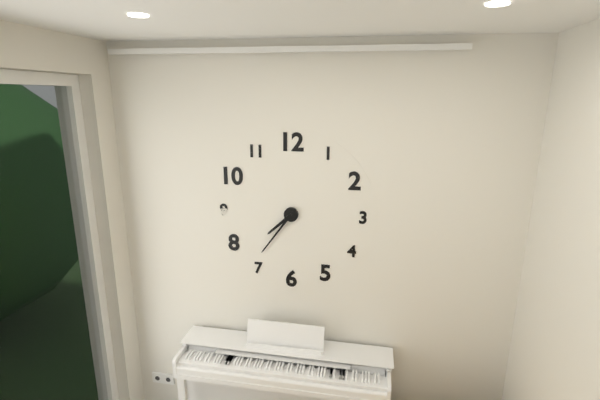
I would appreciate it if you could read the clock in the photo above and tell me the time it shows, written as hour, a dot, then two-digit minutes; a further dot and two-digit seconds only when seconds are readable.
7.36
